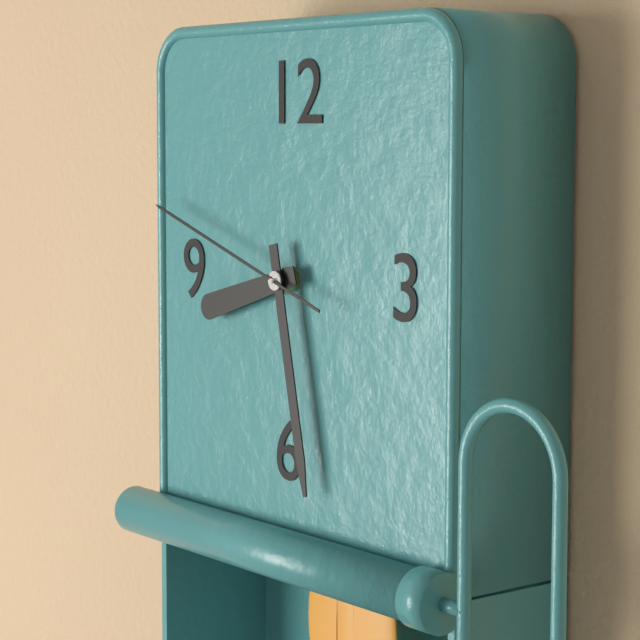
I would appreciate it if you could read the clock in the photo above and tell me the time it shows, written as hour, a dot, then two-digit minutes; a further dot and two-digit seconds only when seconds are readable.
8.28.48
